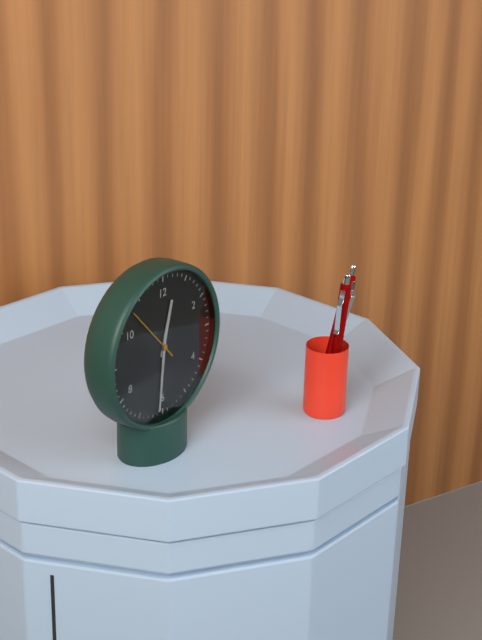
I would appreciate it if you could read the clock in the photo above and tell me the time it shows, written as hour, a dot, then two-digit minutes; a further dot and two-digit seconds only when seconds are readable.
12.31.53
